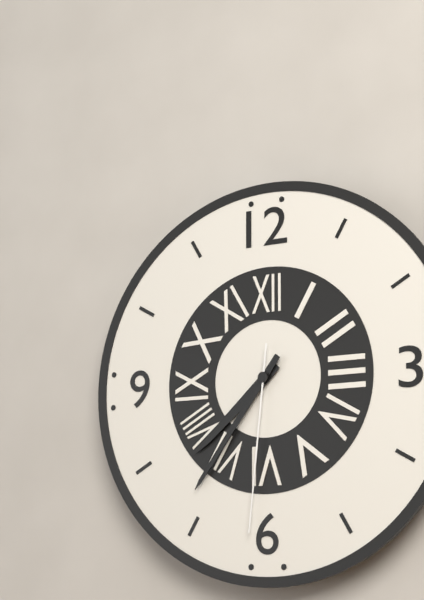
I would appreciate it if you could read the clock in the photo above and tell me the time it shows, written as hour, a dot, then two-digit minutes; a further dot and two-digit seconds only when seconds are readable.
7.36.31
